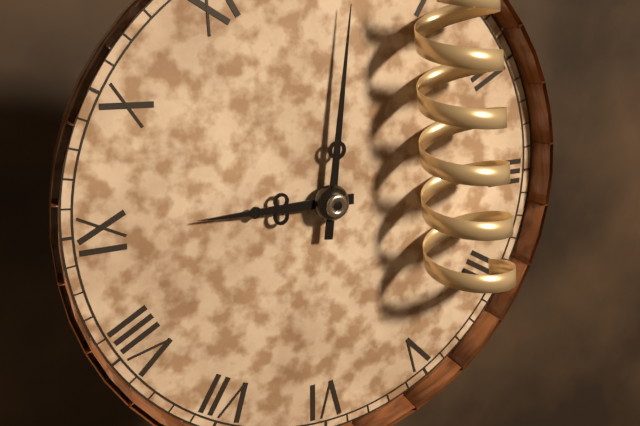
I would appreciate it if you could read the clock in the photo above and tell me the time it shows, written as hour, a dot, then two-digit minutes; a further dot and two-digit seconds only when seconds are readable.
9.01
